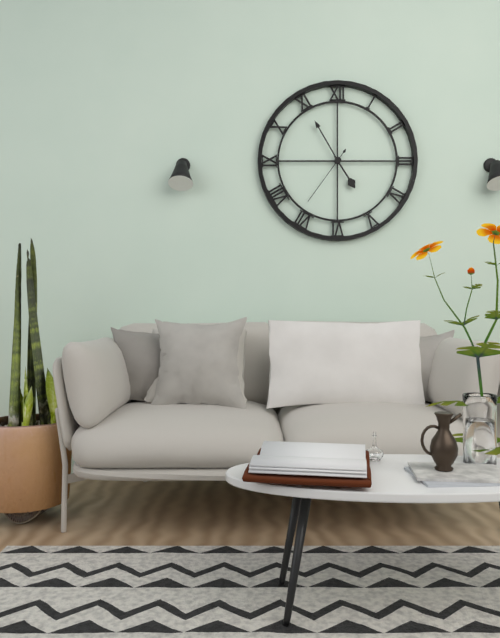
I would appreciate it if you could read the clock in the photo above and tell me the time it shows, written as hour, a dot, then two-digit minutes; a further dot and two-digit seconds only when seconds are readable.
4.55.36
